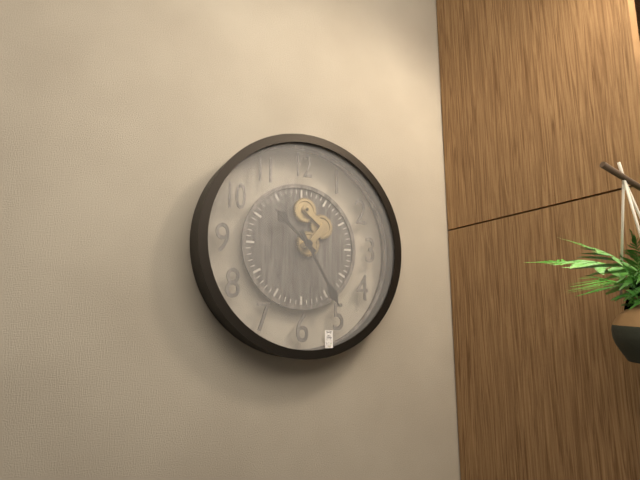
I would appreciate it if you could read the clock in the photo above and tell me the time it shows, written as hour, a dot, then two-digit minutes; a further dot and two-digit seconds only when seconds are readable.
10.25
